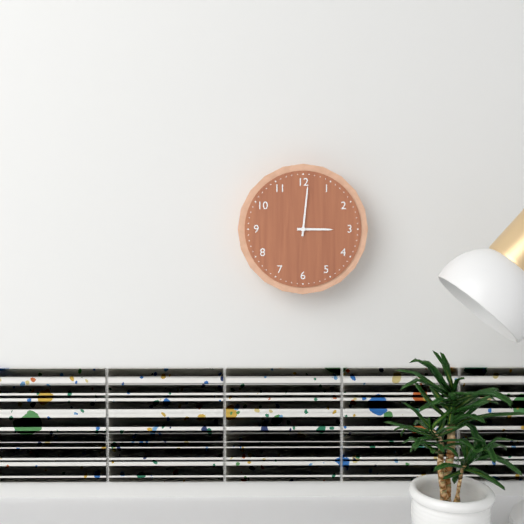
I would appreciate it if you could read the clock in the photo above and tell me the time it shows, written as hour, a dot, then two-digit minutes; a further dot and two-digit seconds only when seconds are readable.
3.01
